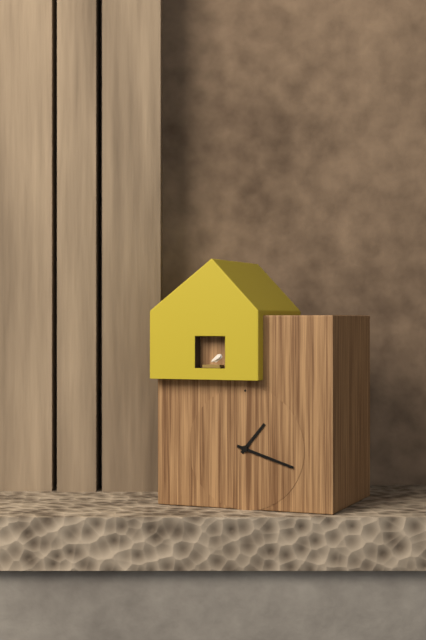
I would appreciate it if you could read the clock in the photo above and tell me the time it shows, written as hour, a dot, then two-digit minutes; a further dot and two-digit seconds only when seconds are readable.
1.18
